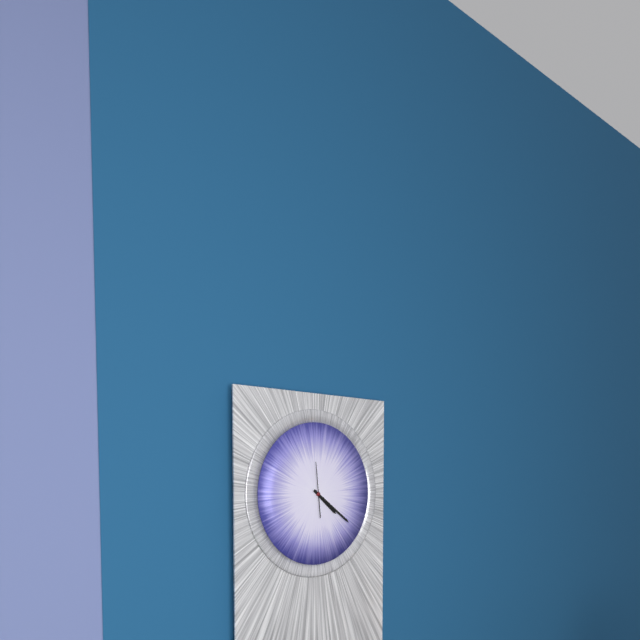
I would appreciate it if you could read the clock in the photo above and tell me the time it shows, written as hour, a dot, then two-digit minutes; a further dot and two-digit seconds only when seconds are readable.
4.21
